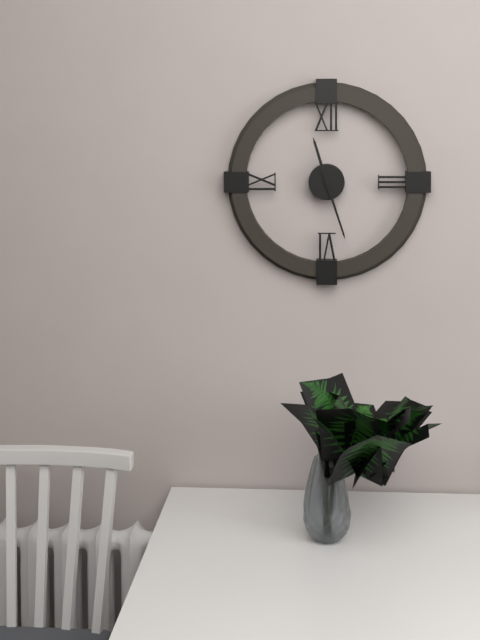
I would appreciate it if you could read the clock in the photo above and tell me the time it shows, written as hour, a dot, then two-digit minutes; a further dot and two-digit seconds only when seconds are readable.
11.27
